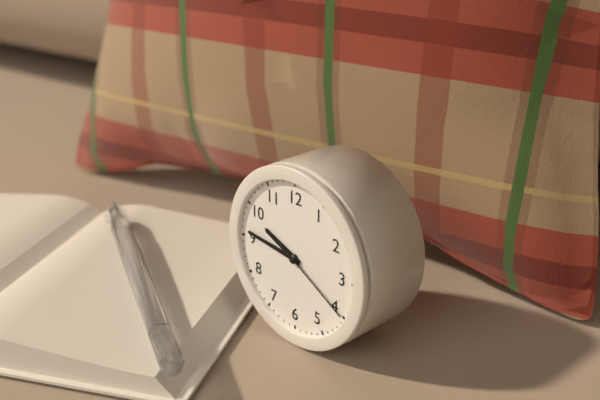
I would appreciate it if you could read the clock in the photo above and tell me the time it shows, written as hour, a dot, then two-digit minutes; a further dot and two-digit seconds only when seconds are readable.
9.46.20
